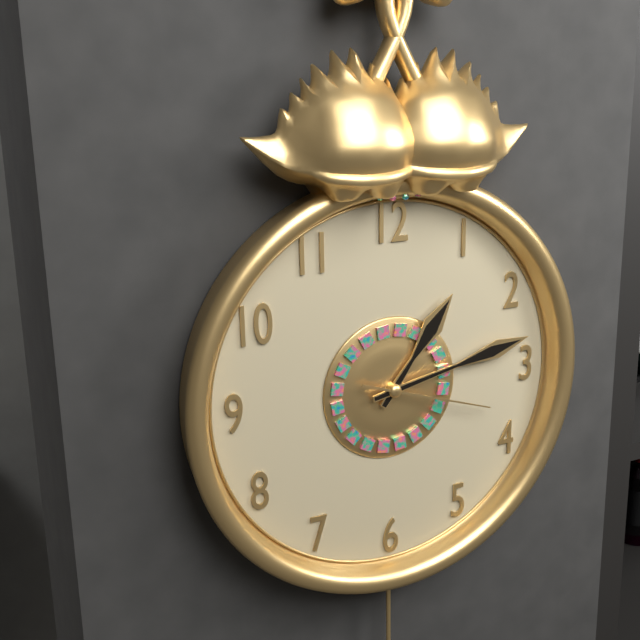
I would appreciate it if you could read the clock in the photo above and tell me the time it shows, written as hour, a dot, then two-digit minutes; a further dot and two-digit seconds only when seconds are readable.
1.13.18
